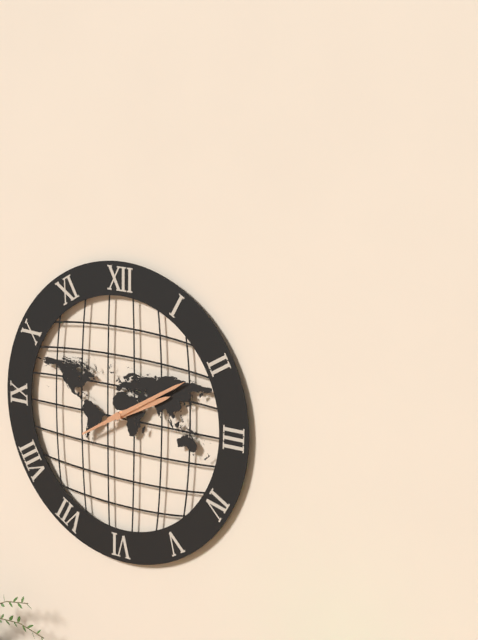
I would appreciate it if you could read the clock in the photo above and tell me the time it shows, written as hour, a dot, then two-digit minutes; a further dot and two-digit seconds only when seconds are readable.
2.10
